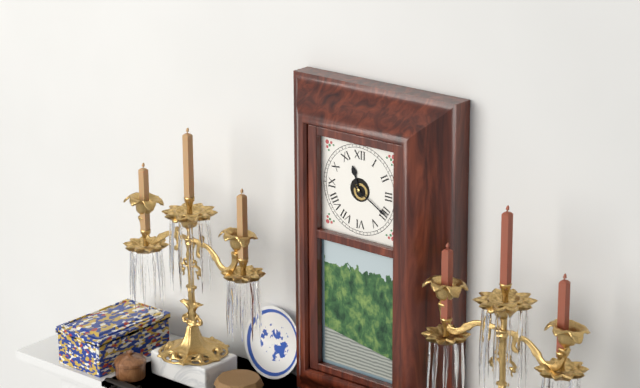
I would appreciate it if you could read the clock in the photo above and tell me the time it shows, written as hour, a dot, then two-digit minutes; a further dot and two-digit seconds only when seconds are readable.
11.20
